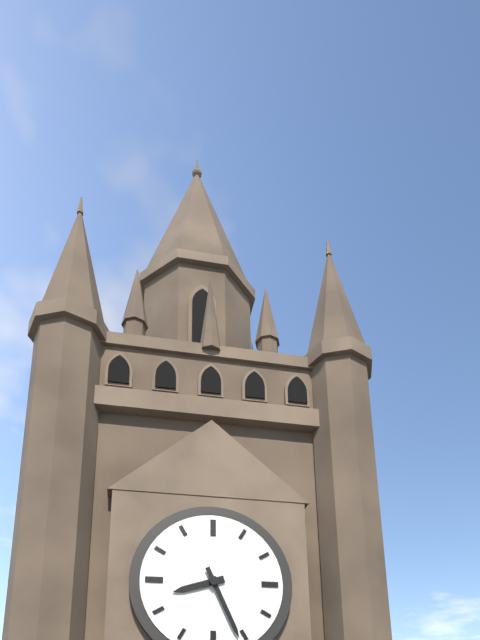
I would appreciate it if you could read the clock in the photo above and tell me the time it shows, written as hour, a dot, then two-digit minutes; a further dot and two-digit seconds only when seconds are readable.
8.26
